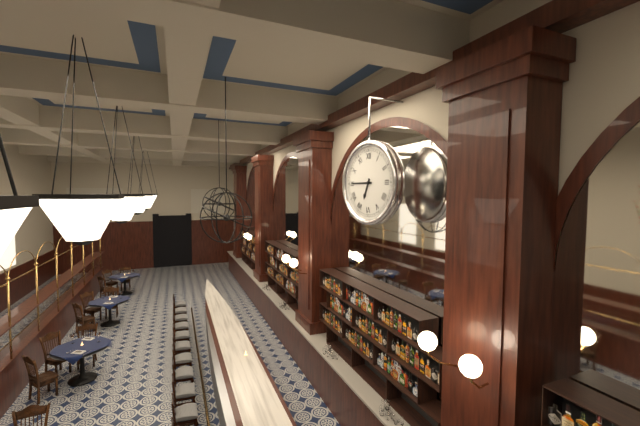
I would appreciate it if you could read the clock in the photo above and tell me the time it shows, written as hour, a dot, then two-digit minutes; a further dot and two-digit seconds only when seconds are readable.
6.45
